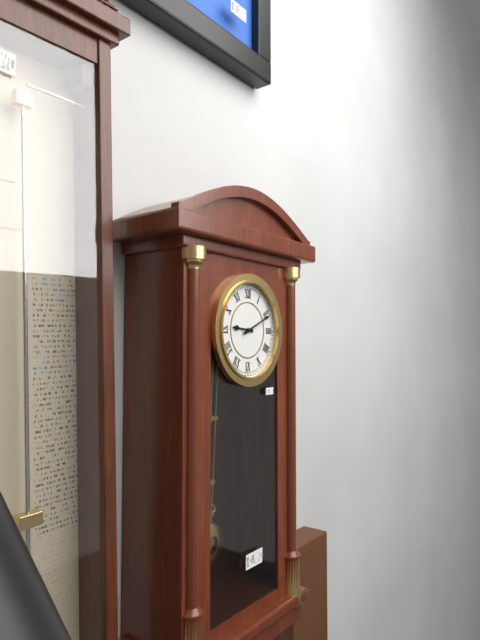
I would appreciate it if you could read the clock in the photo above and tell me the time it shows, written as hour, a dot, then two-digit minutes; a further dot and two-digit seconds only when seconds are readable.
9.11
